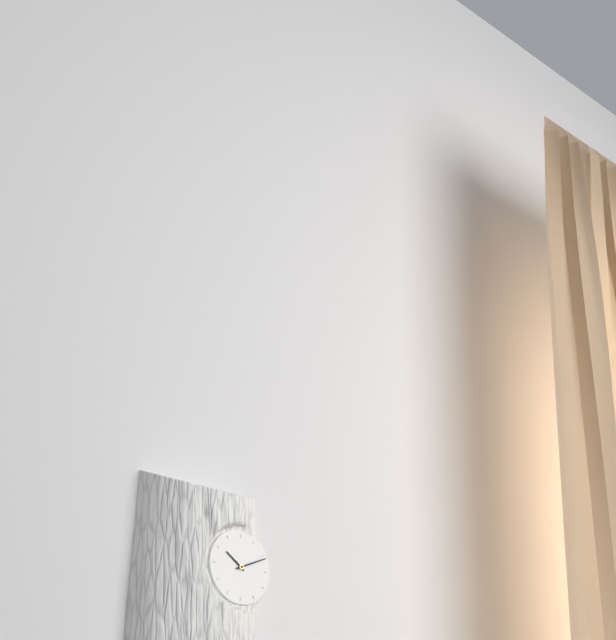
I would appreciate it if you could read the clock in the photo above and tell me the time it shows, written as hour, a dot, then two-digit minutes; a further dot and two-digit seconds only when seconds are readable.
10.11
